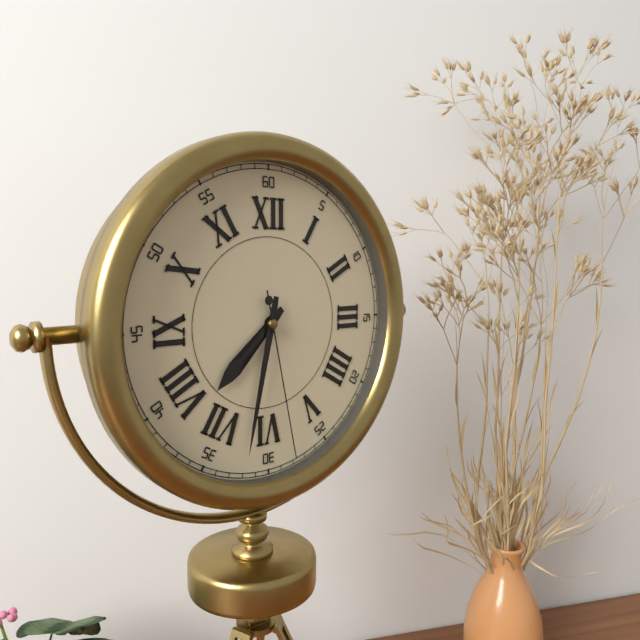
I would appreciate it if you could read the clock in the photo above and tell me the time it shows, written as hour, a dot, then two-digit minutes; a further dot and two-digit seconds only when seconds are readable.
7.32.28
